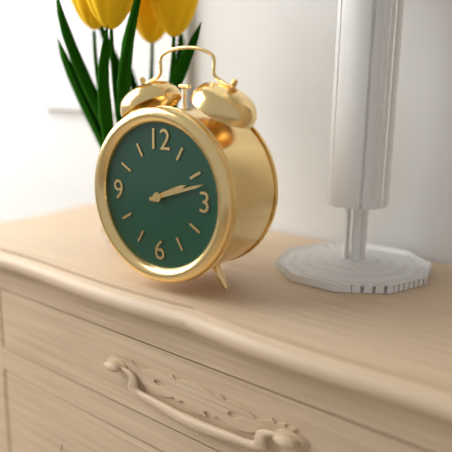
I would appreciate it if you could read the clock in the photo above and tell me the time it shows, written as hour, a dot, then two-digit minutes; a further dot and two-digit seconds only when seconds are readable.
2.12
